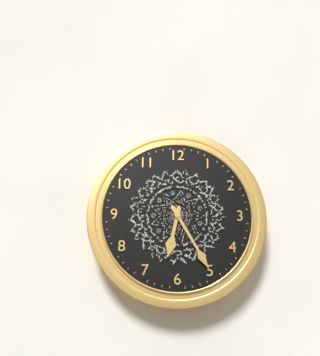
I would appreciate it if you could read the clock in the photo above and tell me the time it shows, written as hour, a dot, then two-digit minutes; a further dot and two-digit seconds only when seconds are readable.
6.25
